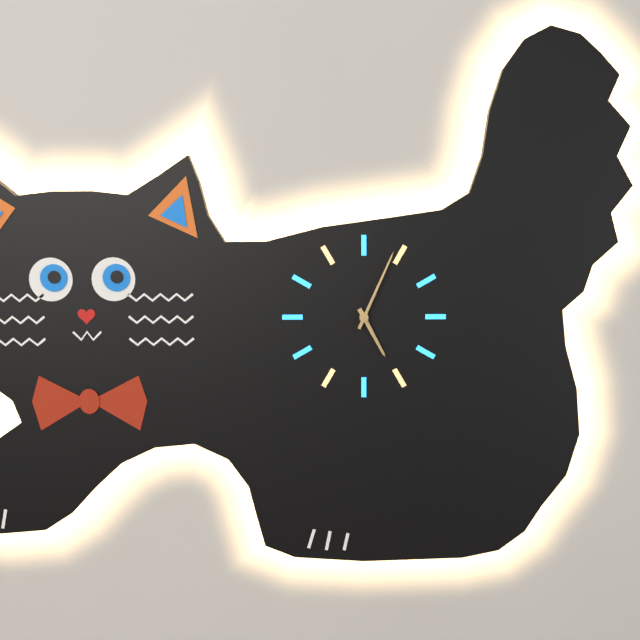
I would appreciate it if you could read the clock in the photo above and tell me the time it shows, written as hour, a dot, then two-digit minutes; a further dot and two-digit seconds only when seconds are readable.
5.04
